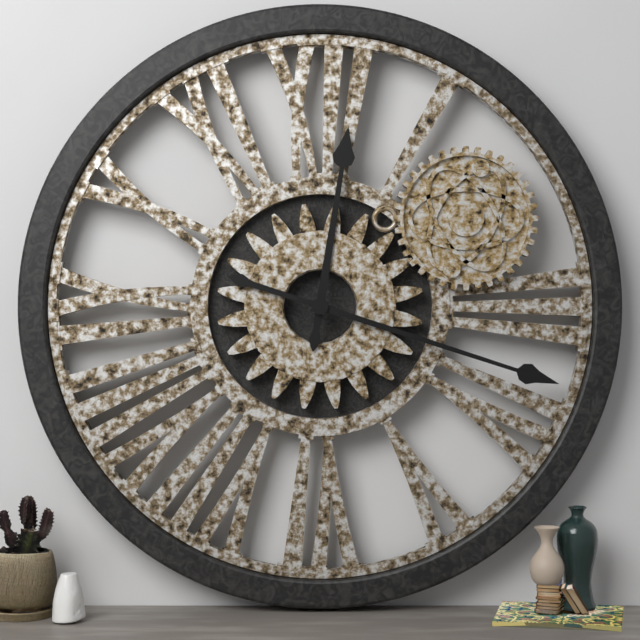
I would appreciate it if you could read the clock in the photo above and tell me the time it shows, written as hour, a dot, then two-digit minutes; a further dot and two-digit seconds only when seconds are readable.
12.18
